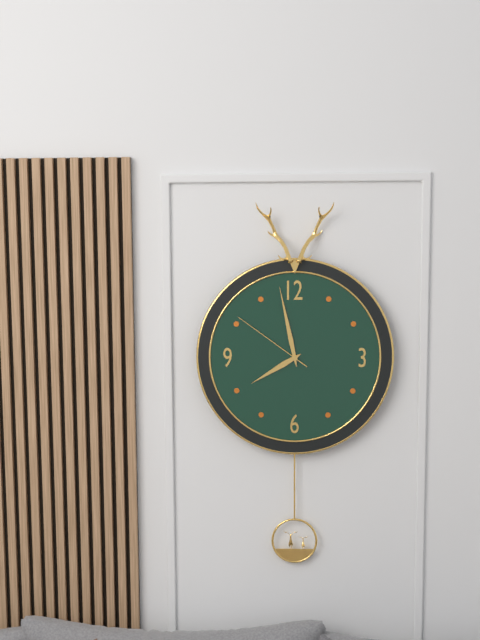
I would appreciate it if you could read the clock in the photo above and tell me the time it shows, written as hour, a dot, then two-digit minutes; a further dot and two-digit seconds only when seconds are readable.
7.58.51
